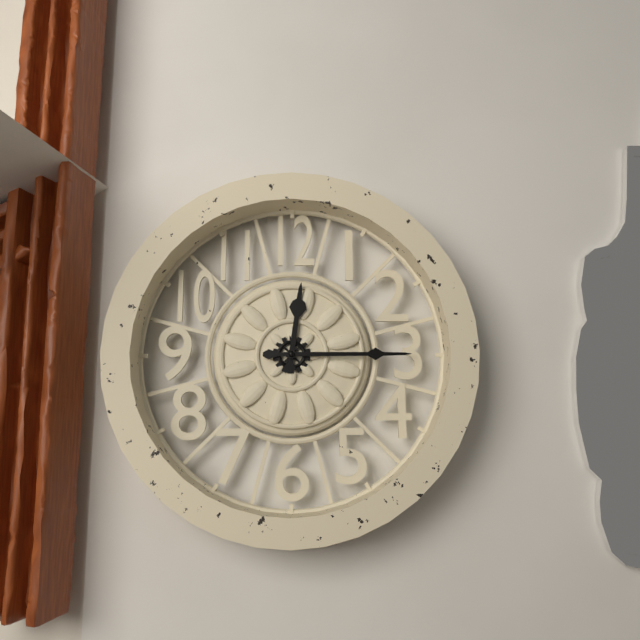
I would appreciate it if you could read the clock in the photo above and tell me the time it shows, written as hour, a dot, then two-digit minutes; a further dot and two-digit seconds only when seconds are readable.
12.15
